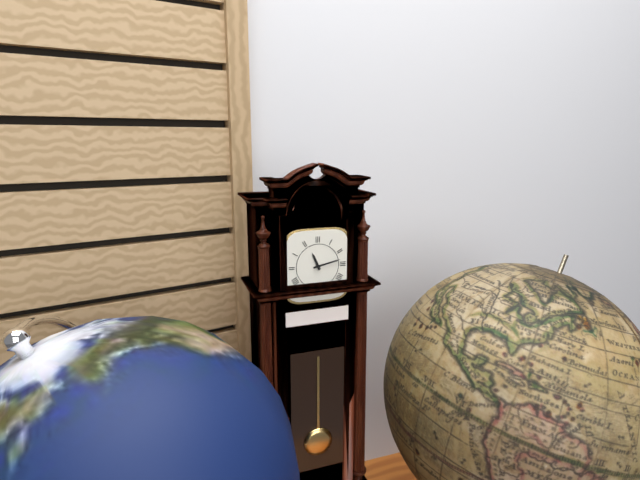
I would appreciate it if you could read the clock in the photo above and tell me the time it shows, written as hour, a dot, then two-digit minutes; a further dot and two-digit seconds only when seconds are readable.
11.13
